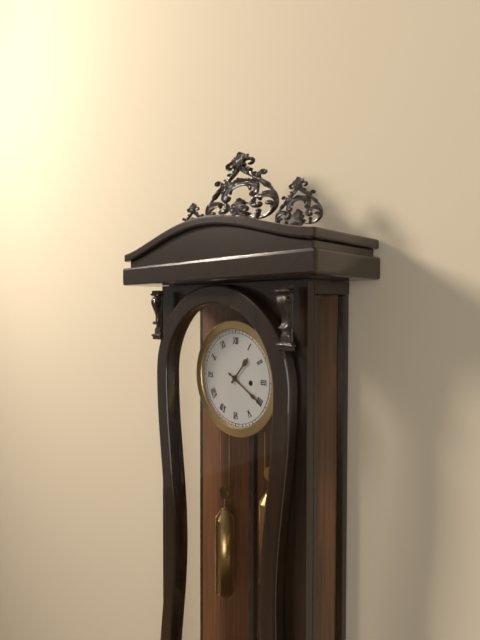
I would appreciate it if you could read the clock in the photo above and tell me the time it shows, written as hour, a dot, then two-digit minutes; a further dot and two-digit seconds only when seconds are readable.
1.20
